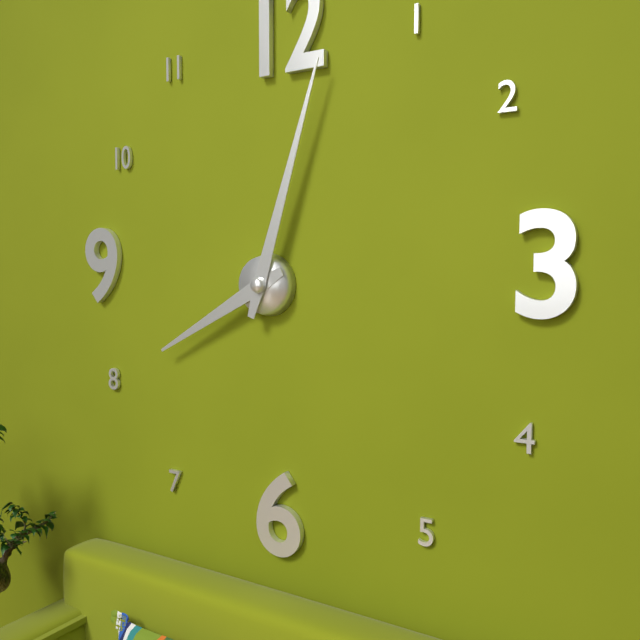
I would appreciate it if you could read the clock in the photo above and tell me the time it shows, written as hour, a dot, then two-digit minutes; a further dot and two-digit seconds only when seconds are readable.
8.03
